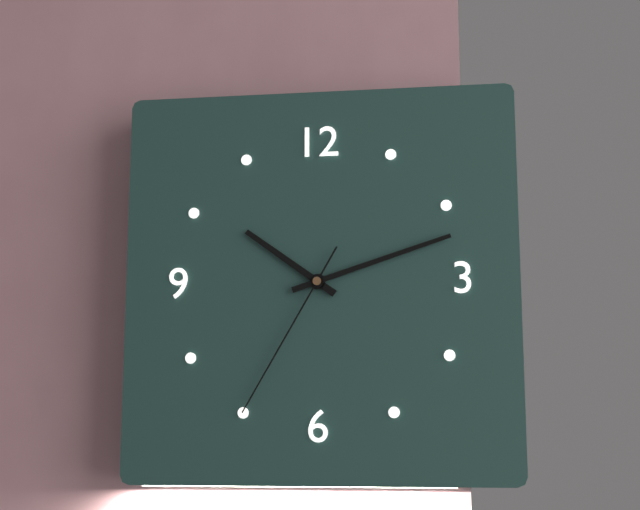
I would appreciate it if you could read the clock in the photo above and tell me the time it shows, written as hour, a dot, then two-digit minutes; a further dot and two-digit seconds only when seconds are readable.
10.12.35
